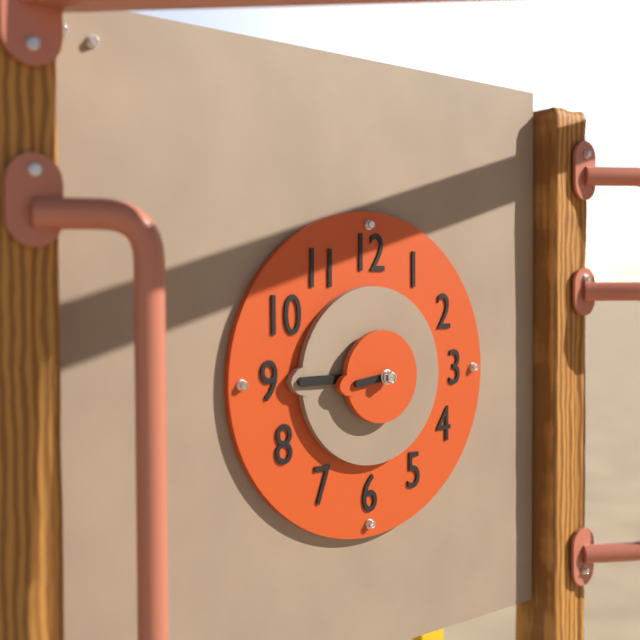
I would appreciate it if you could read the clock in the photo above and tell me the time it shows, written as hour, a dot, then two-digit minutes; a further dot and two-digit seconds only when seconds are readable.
8.45
